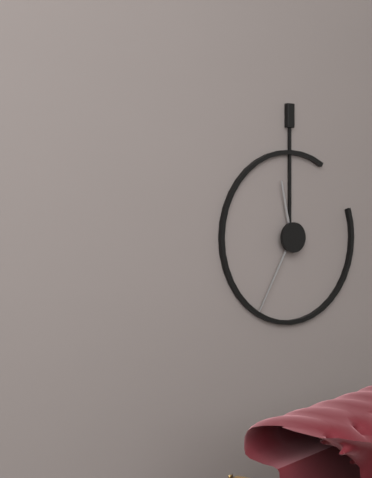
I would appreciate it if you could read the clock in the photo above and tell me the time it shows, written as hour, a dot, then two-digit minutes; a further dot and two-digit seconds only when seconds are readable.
11.35
